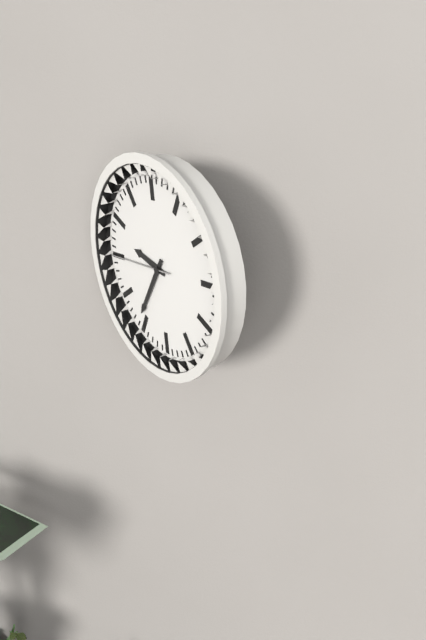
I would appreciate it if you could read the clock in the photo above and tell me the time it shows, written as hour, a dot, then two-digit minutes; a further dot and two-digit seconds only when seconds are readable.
9.36.45
